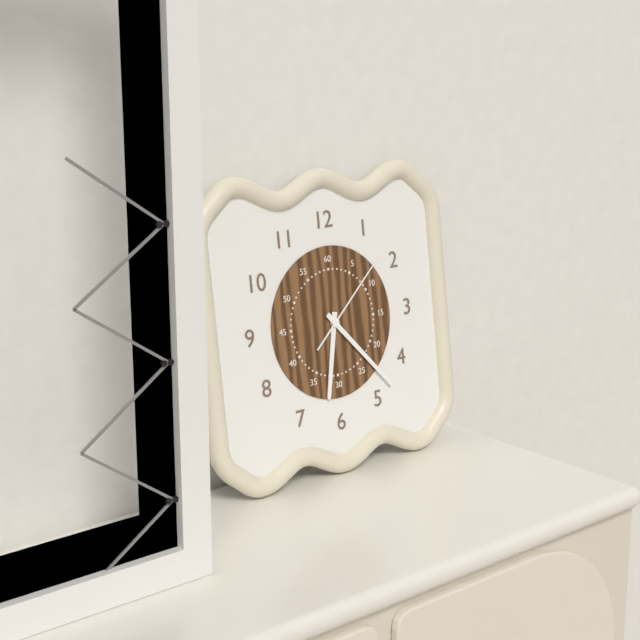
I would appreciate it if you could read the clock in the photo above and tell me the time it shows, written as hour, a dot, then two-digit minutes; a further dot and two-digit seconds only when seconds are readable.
6.23.08
